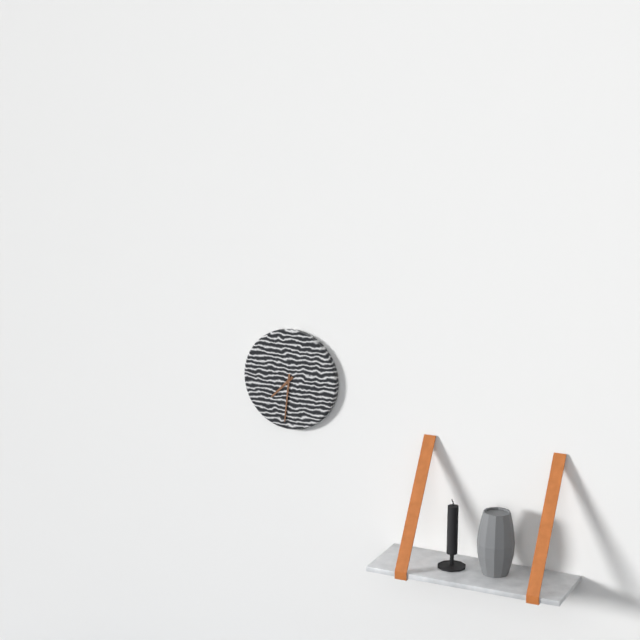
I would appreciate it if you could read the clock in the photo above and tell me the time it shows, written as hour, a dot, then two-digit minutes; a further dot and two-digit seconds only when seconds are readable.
7.31
